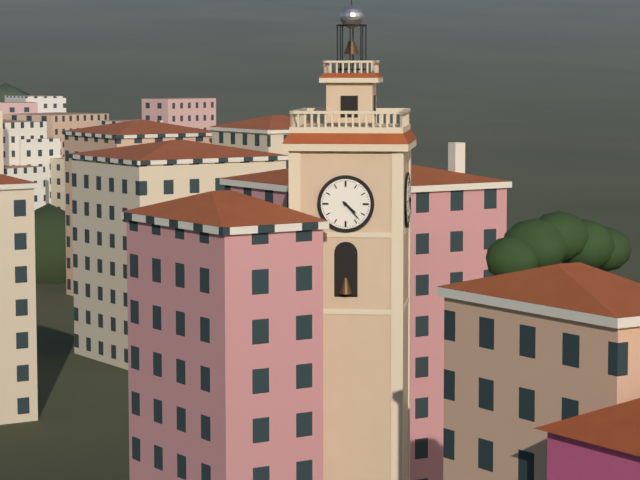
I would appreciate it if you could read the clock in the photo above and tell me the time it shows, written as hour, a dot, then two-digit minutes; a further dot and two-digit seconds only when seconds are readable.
4.23
